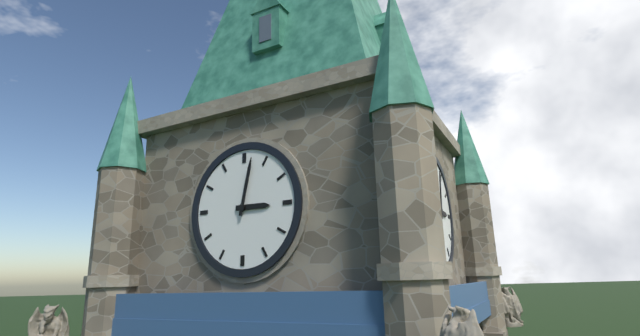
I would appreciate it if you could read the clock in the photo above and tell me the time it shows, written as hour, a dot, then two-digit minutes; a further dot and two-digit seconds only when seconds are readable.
3.02
